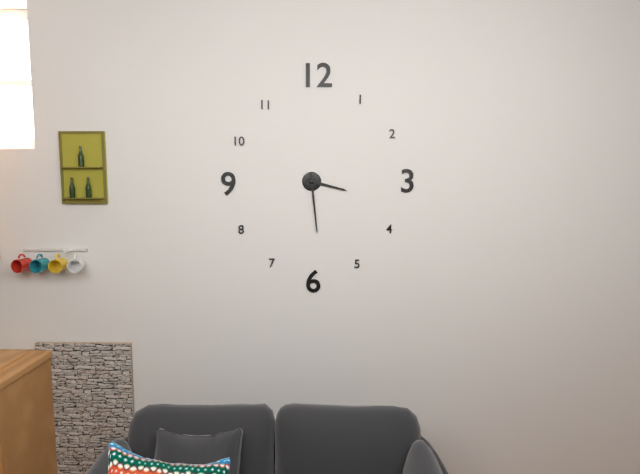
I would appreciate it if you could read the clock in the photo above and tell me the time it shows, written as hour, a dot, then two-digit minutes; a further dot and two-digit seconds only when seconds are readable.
3.29
